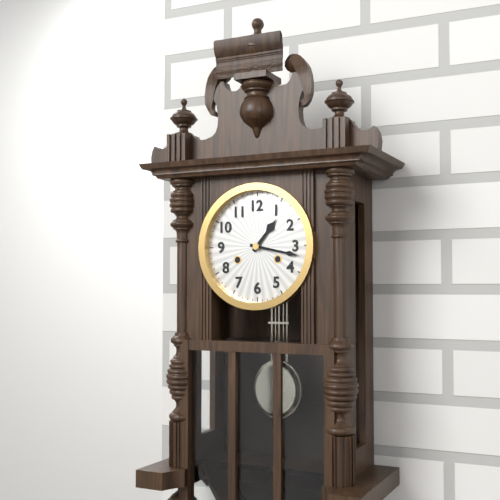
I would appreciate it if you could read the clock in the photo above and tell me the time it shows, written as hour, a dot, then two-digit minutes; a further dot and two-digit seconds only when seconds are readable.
1.17
